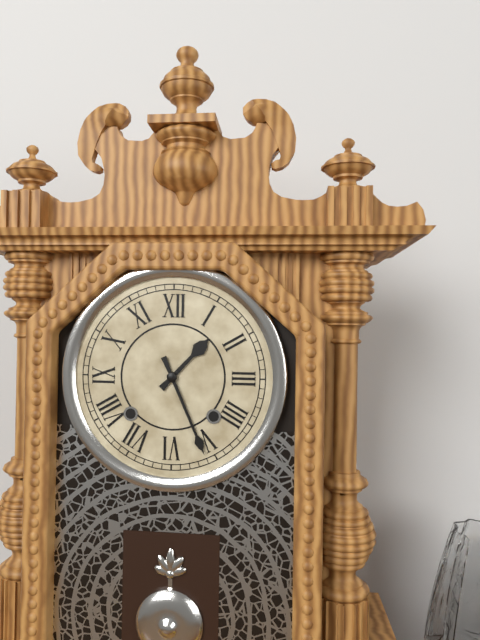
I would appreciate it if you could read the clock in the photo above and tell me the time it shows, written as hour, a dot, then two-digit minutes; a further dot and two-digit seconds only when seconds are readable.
1.26
